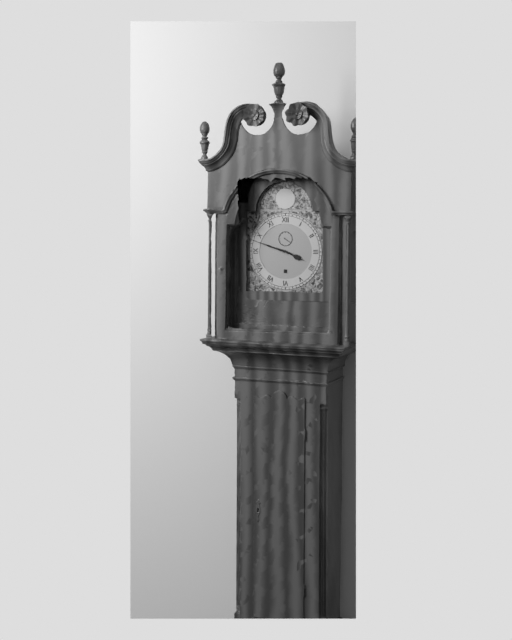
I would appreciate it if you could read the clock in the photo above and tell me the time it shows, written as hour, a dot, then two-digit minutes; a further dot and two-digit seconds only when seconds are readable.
3.48
